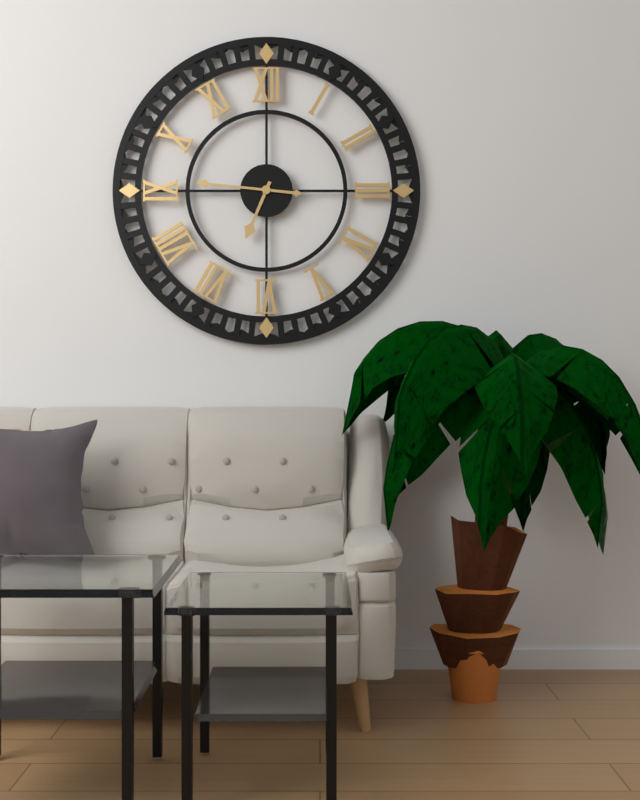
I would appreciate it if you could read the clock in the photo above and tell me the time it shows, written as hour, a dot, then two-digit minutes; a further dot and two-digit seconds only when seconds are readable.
6.46
